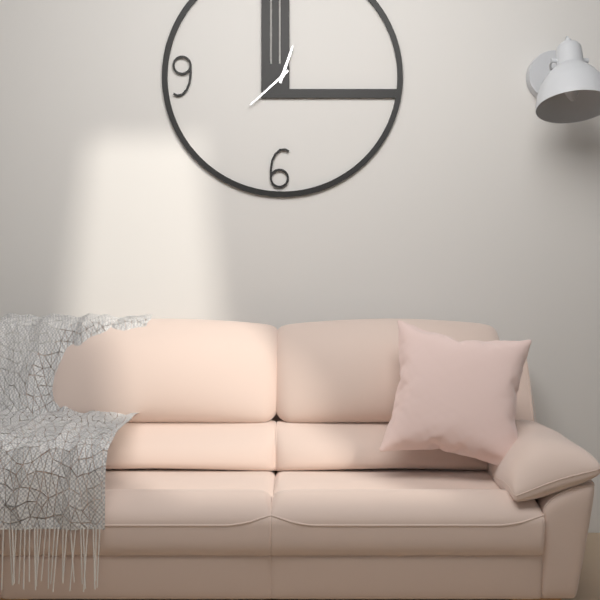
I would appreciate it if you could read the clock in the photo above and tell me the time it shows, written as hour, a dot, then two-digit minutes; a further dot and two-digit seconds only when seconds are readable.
12.38
